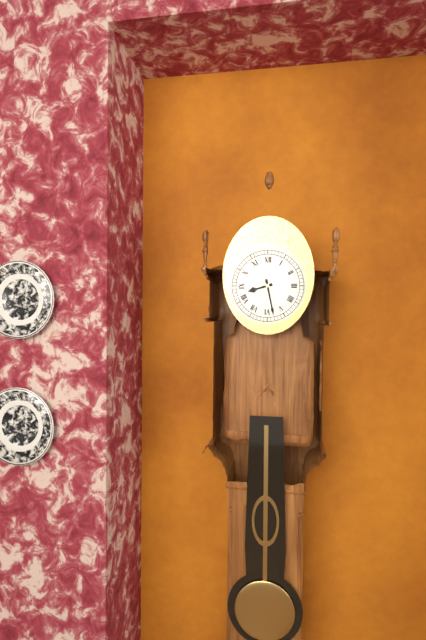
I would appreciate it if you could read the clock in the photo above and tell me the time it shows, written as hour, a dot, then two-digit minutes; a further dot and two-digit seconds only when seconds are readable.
8.28
